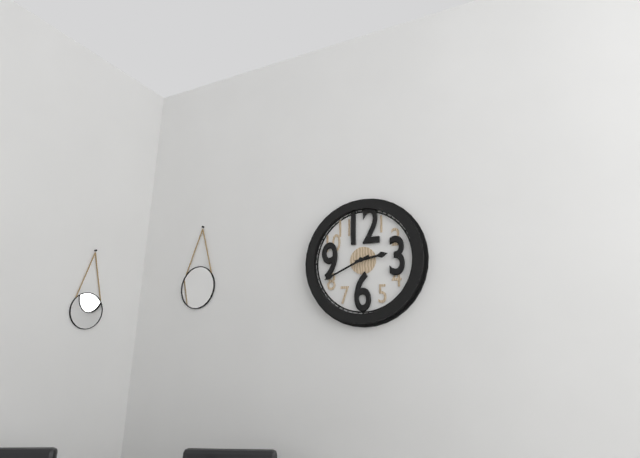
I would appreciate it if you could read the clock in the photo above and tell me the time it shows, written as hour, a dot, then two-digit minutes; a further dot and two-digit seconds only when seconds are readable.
2.41
